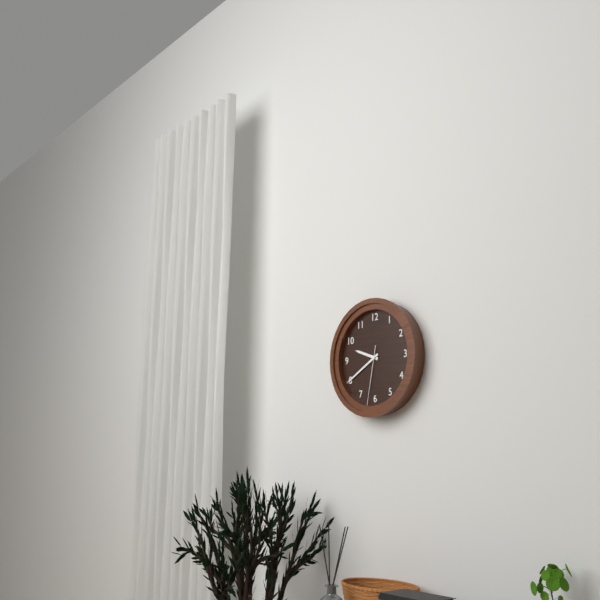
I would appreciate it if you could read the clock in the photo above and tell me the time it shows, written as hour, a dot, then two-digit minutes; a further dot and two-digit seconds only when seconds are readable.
9.40.32
